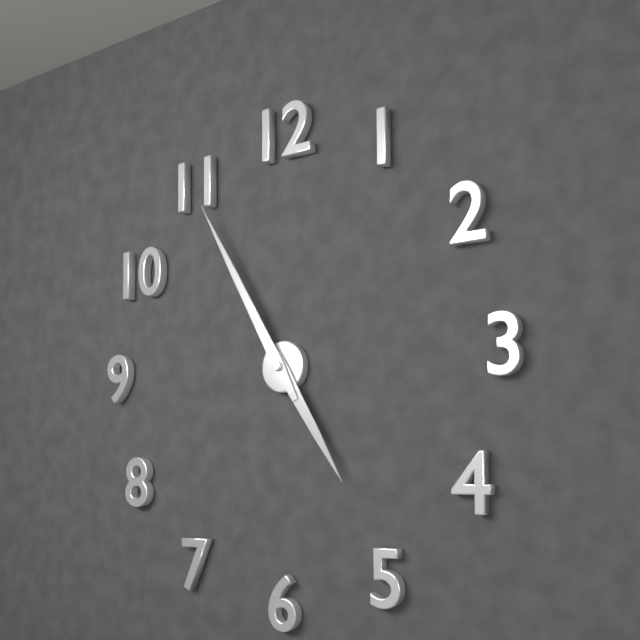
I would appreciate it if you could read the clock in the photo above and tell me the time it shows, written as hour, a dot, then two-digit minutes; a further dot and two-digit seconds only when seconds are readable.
4.55
